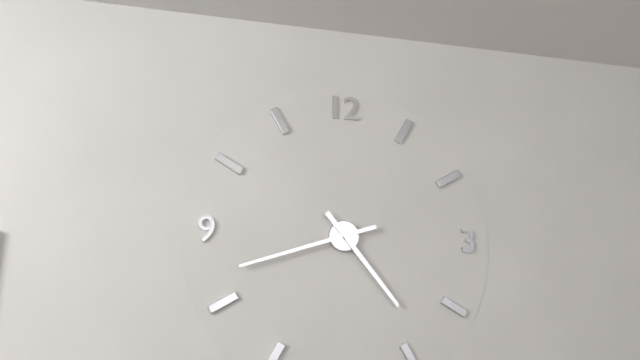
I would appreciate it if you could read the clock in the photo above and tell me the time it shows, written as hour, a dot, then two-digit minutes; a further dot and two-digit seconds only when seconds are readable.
4.42
